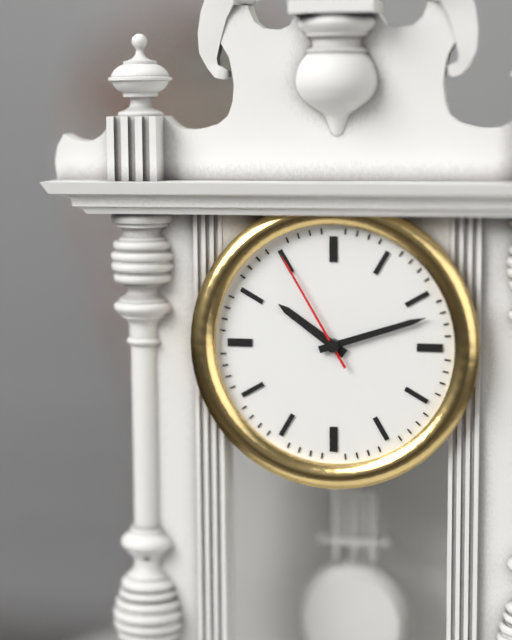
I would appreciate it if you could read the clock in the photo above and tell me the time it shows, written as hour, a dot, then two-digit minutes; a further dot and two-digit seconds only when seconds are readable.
10.12.55
